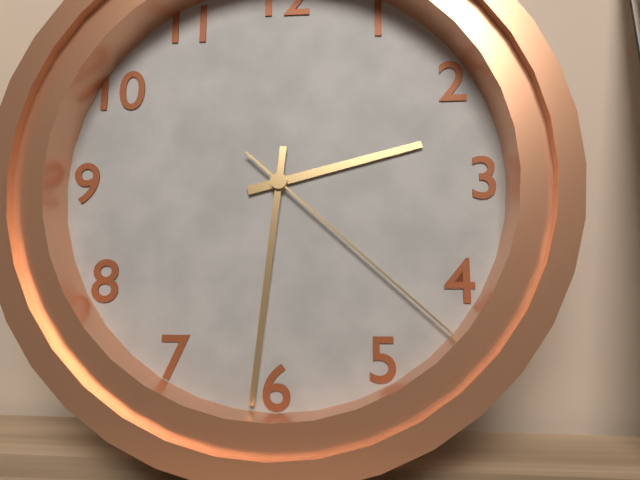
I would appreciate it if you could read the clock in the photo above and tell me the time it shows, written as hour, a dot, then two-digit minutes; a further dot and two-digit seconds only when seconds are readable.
2.31.22
